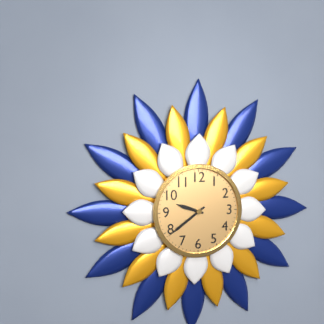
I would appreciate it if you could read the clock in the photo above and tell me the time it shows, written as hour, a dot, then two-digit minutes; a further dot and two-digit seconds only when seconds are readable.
9.39
